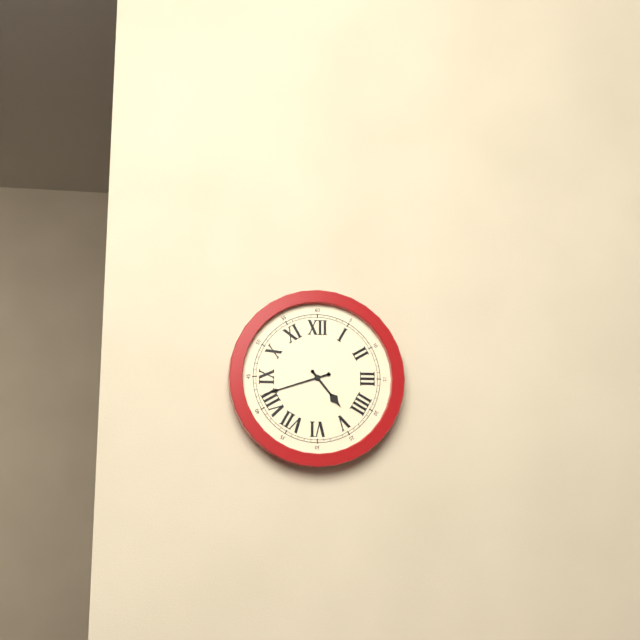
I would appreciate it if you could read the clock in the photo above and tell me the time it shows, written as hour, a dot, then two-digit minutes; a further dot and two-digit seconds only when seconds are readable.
4.42
